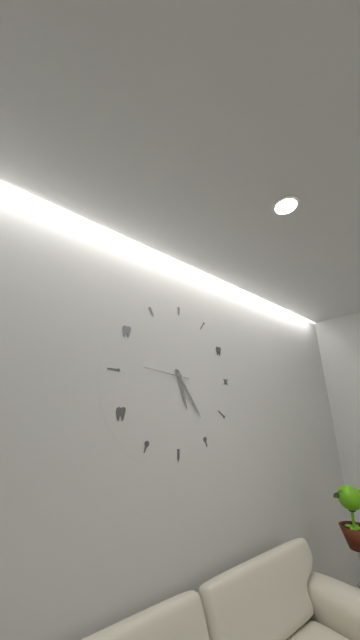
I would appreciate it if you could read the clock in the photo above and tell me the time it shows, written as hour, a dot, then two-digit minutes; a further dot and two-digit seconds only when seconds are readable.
5.24
